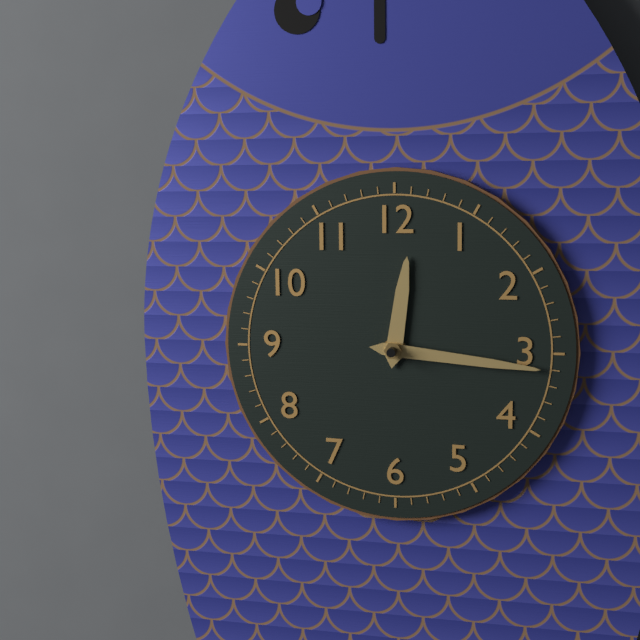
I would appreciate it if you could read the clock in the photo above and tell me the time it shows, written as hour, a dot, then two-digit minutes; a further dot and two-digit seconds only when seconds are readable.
12.16
